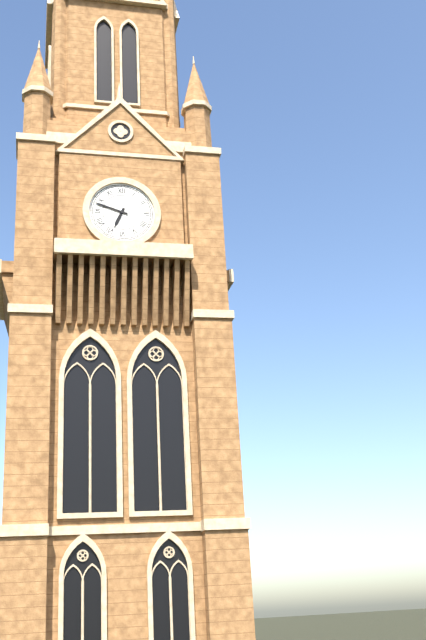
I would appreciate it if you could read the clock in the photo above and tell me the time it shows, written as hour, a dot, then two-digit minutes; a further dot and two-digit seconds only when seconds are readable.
6.48
